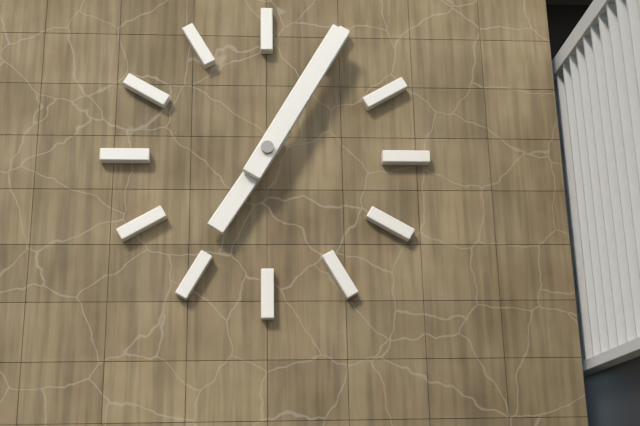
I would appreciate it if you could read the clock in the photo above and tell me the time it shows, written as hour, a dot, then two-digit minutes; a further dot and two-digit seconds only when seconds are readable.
7.05
